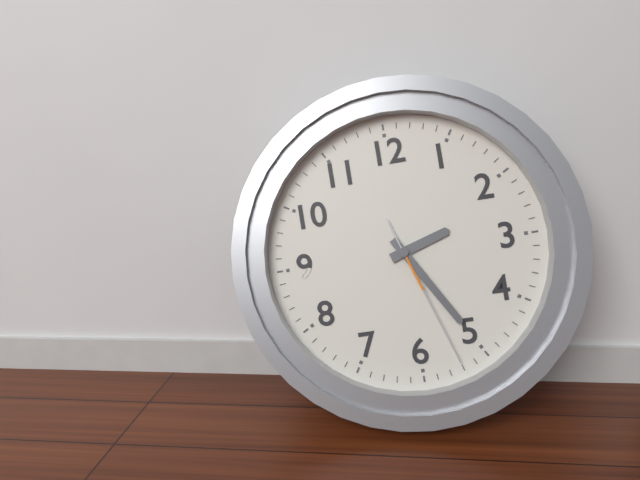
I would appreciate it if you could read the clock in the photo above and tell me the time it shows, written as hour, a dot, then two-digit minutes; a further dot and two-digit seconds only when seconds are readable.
2.25.27
